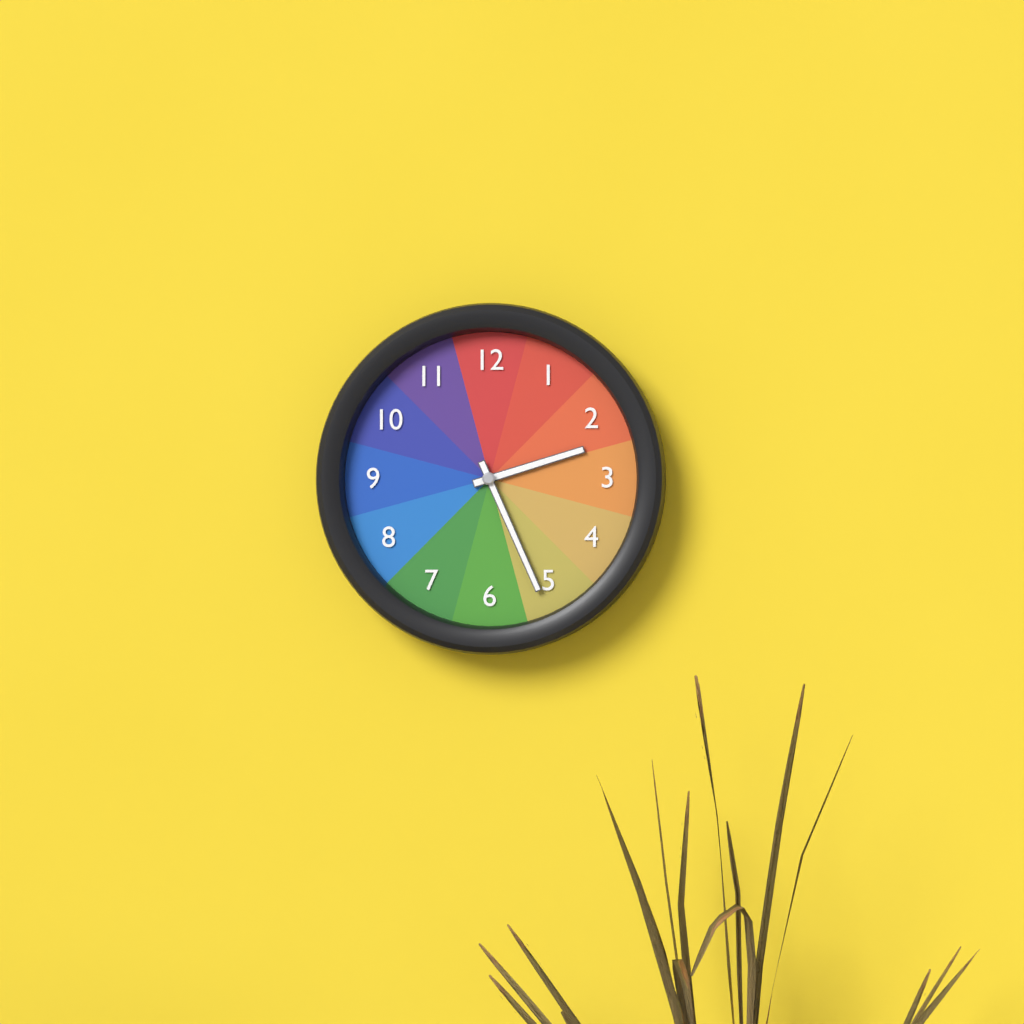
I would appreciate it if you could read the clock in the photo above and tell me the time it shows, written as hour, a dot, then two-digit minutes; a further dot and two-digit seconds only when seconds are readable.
2.26
